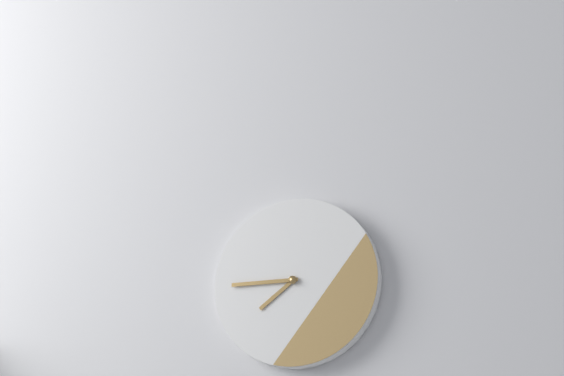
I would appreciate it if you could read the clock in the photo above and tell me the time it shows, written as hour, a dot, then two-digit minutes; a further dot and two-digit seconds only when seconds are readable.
7.45
